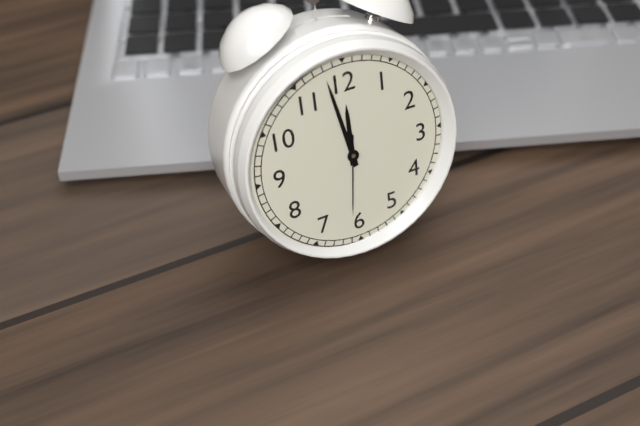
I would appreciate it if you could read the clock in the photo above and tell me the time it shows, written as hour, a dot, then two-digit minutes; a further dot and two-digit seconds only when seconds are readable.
11.58.31
